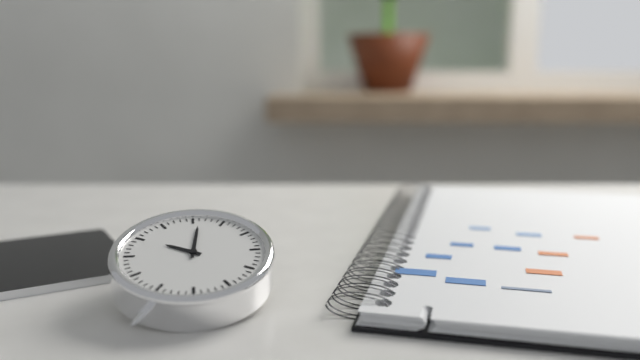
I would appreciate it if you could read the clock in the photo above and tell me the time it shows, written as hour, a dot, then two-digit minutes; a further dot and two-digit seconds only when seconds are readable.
10.01
